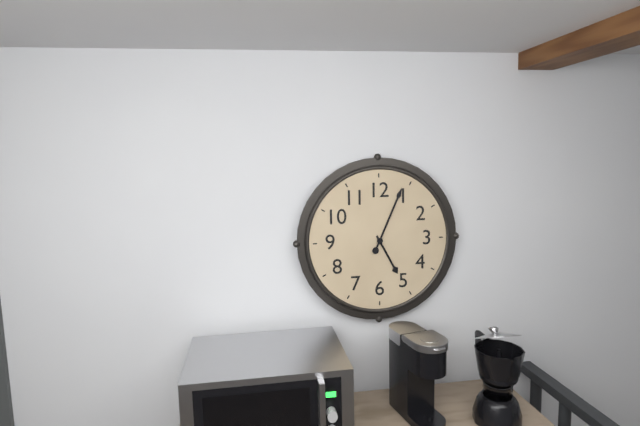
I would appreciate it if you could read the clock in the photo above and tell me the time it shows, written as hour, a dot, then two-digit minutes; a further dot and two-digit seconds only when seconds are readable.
5.04
